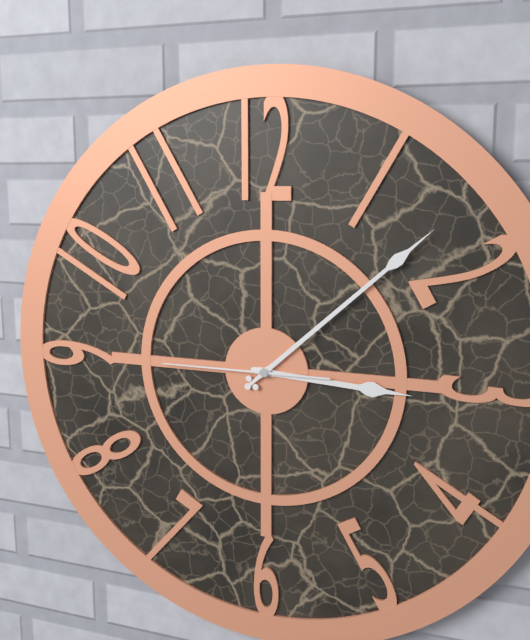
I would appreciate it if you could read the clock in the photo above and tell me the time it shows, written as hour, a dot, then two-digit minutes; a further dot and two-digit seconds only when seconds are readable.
3.08.45
